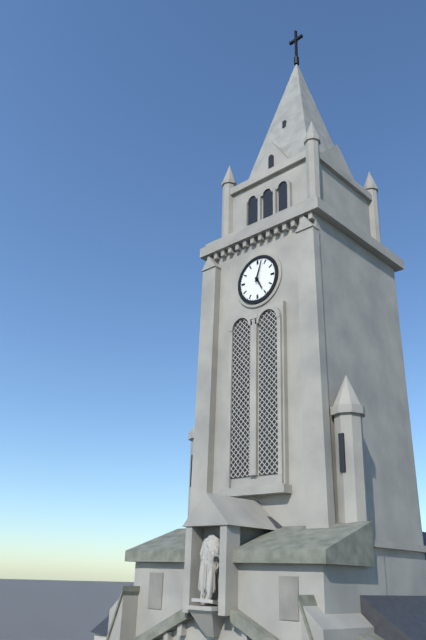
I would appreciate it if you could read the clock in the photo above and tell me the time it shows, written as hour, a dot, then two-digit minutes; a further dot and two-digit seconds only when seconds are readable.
5.03
